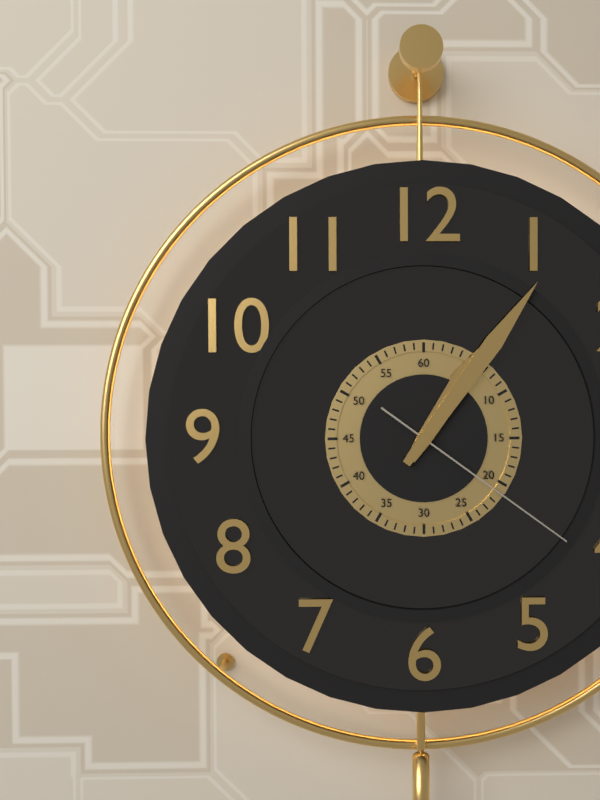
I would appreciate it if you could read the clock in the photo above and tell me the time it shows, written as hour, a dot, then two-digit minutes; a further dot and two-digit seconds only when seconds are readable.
1.06.21
